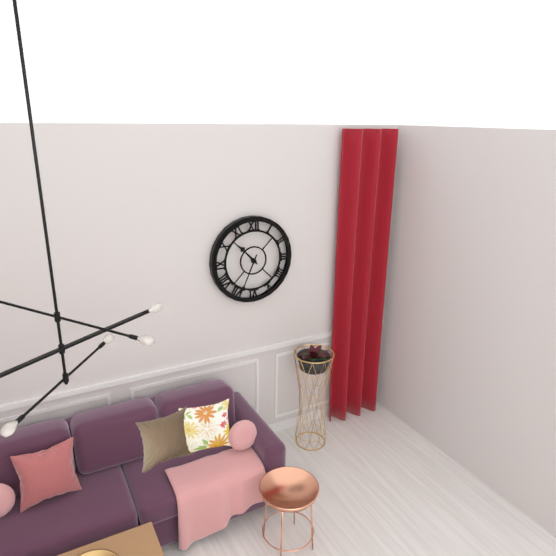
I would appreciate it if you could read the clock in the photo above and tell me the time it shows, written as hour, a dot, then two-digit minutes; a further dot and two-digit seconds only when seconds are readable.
10.34
